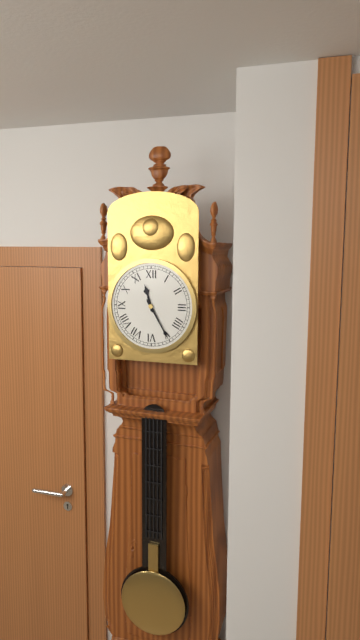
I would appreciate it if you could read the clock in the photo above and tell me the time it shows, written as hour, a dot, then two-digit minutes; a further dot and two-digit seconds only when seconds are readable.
11.25
